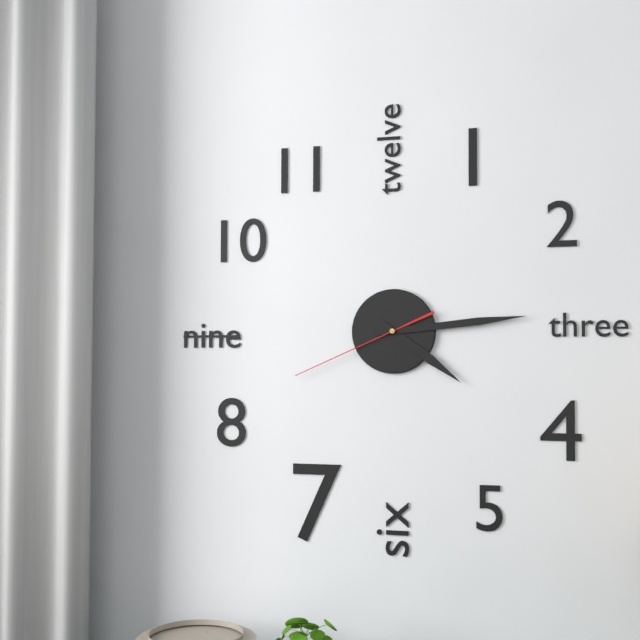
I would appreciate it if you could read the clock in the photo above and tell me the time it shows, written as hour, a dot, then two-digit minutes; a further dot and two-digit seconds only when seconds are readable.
4.14.41
